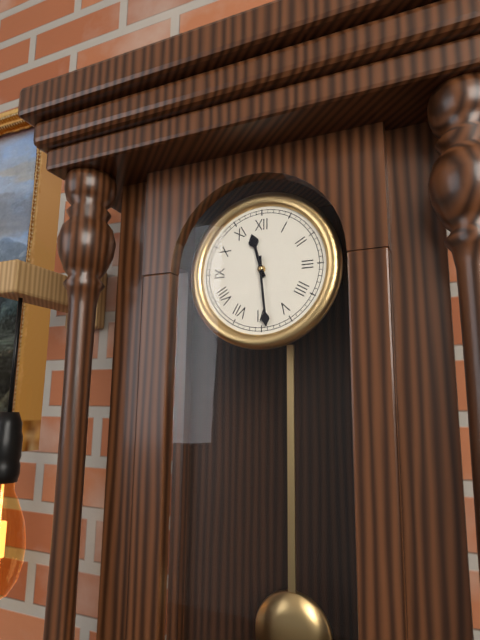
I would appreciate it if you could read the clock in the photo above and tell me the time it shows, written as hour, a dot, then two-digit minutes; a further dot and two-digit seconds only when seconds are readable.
11.29
